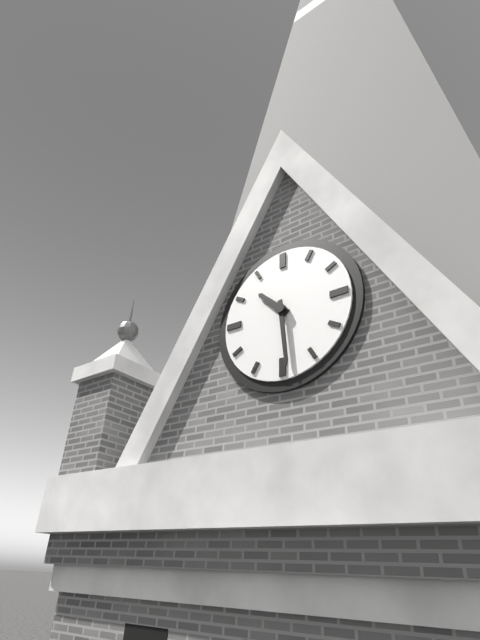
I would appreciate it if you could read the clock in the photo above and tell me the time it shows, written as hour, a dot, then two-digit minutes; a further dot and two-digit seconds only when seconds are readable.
10.29
